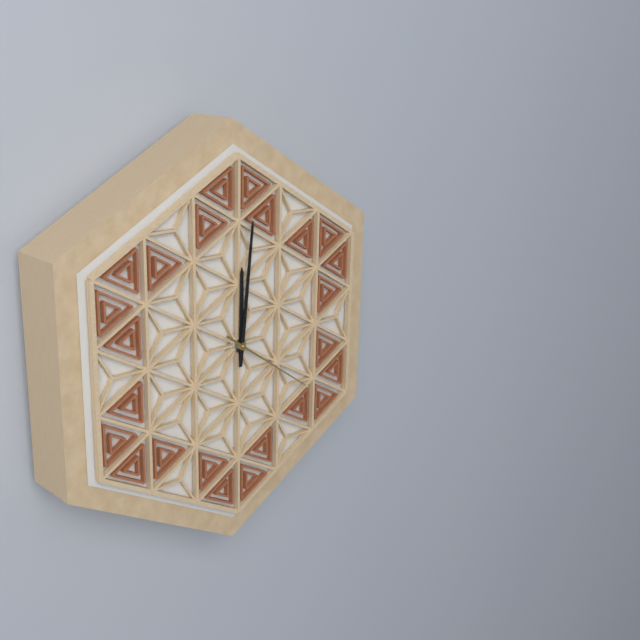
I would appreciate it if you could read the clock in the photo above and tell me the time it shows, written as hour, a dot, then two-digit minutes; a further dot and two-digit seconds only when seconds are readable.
12.01.21
